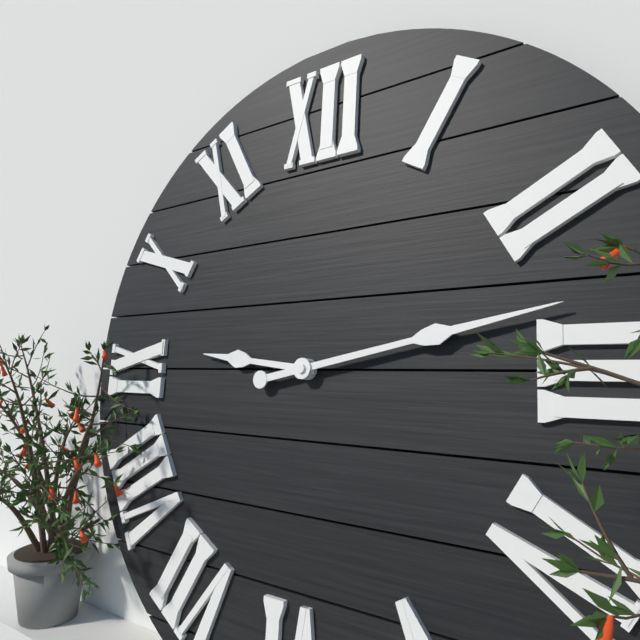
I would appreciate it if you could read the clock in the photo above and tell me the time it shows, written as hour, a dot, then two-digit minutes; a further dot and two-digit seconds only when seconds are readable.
9.13
